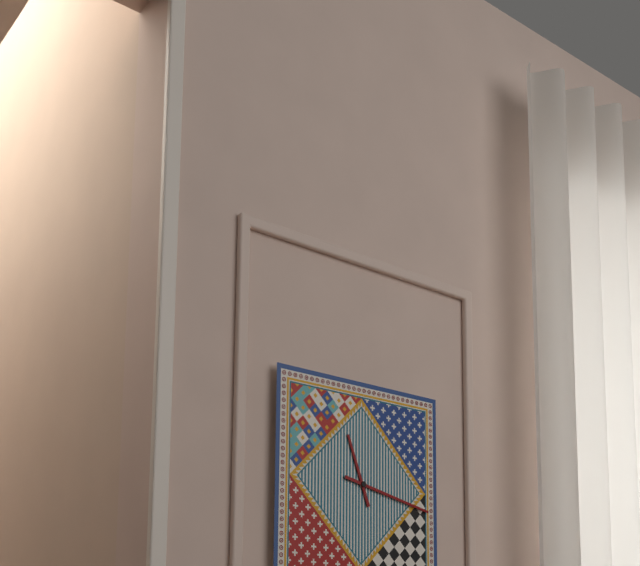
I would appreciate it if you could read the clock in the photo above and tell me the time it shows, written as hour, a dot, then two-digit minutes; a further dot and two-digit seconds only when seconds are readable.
11.17
